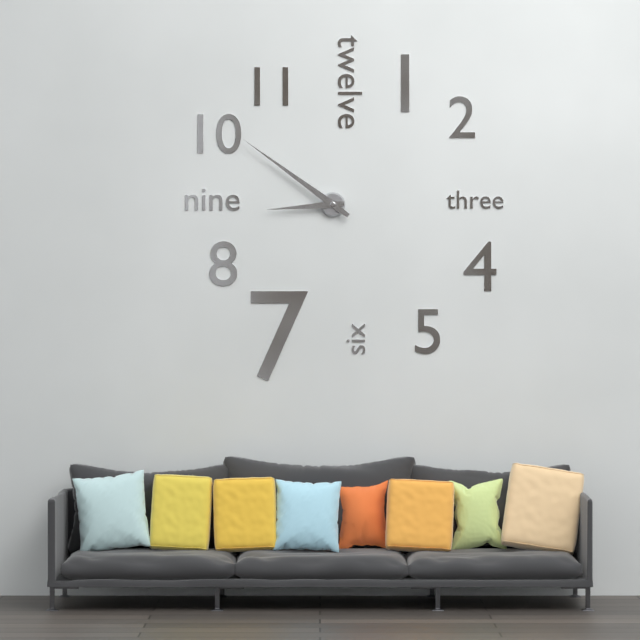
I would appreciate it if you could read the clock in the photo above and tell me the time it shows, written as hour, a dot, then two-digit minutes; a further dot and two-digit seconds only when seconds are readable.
8.51
